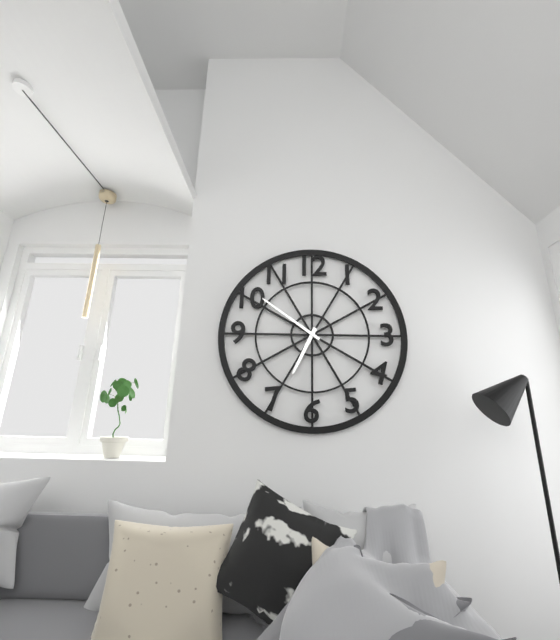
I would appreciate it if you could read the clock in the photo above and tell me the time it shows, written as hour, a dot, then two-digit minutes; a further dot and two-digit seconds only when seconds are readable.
6.51
